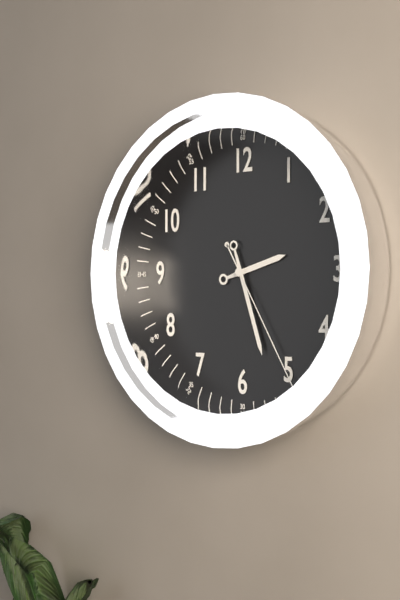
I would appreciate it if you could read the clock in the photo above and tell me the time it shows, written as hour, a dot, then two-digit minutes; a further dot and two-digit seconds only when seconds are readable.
2.27.25
